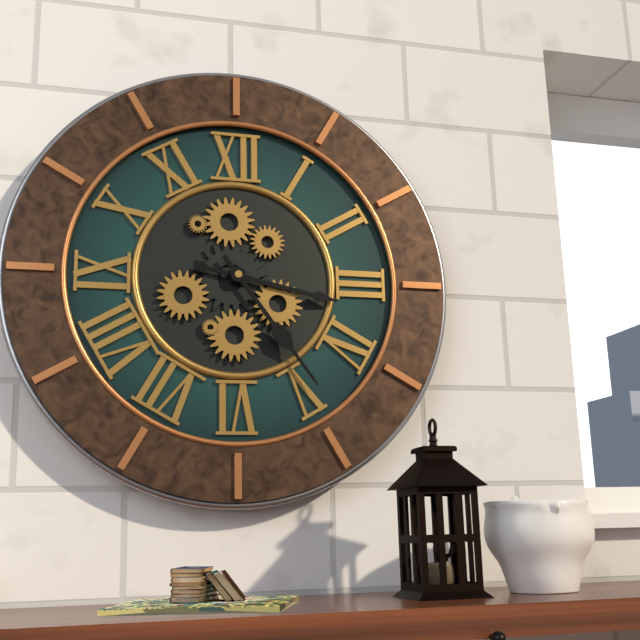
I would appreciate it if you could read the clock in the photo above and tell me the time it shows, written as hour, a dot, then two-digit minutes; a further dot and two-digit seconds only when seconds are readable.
3.24
